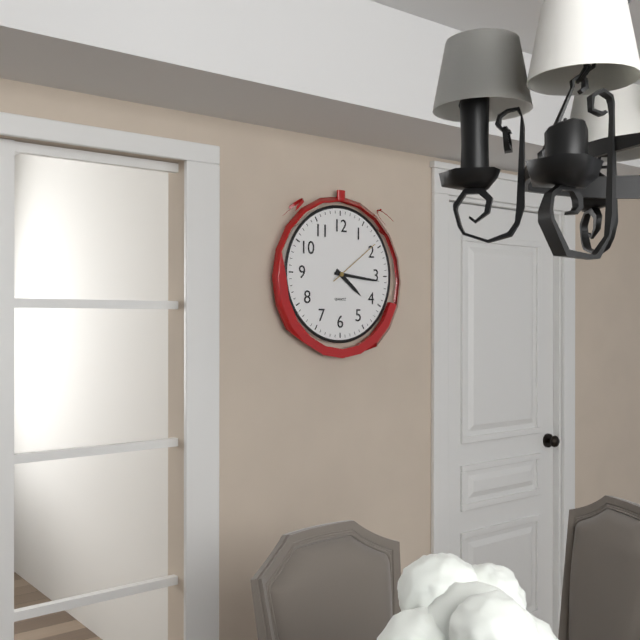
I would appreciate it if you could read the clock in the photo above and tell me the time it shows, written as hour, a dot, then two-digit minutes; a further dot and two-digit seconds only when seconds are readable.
4.16.09
